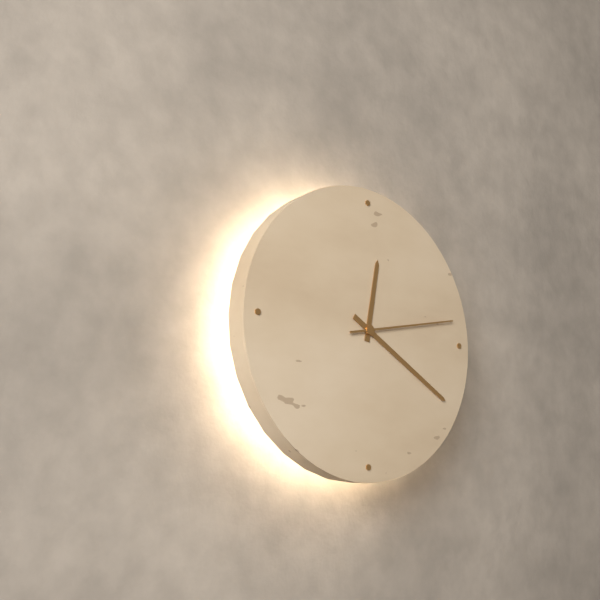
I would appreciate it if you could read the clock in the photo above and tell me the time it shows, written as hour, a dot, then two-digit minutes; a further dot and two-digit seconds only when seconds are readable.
12.20.13
